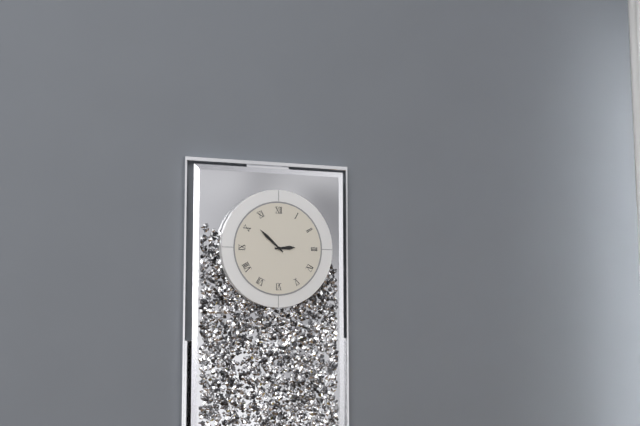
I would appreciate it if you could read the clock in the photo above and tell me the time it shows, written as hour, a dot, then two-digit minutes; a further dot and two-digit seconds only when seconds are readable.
2.52
